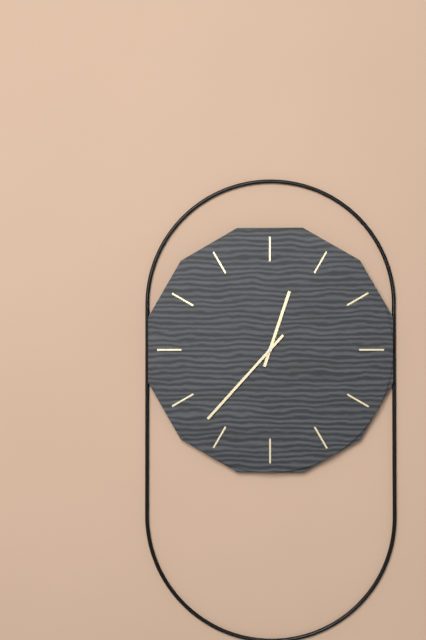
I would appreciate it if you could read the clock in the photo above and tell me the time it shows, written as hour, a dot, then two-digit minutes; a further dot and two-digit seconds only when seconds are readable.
12.37
